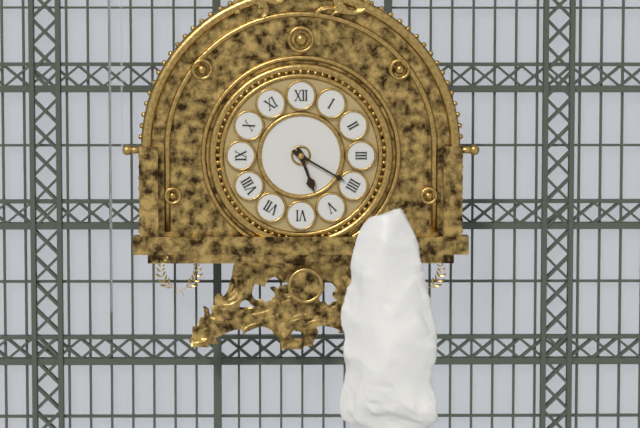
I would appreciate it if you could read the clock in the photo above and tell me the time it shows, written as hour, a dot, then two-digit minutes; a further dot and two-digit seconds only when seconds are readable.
5.20
